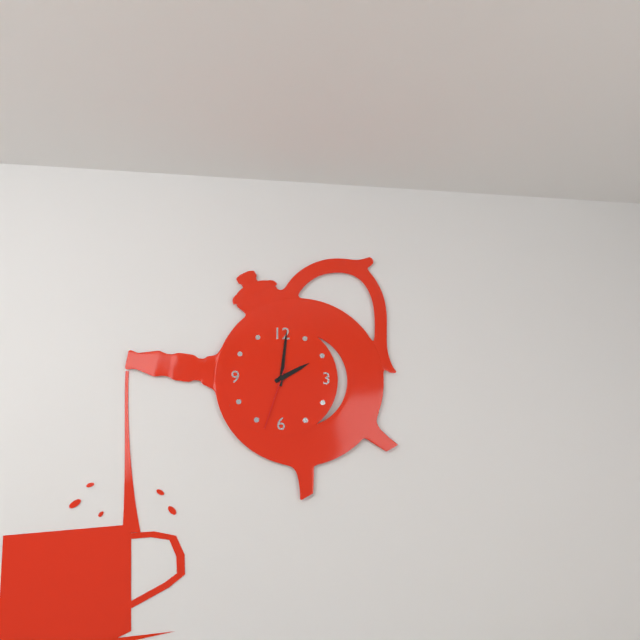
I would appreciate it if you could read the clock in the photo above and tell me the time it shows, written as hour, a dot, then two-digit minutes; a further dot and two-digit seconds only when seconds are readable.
2.01.33
